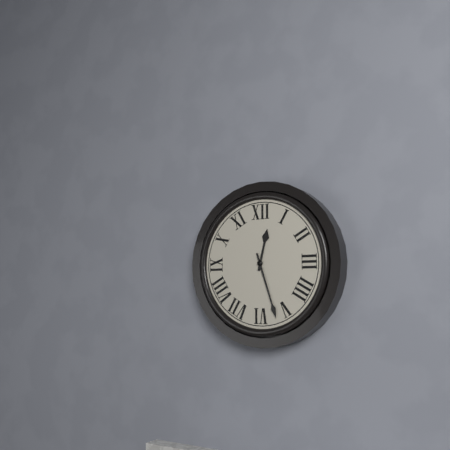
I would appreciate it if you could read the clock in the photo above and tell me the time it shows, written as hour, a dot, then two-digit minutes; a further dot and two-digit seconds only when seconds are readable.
12.27
